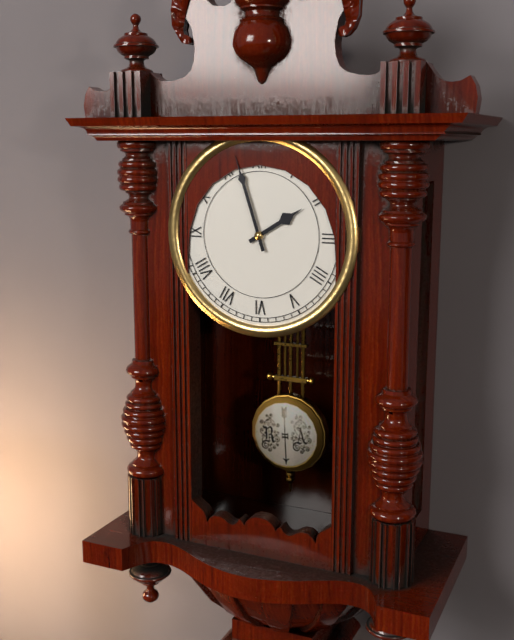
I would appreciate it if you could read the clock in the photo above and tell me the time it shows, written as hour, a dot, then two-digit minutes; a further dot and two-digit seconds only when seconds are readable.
1.57
